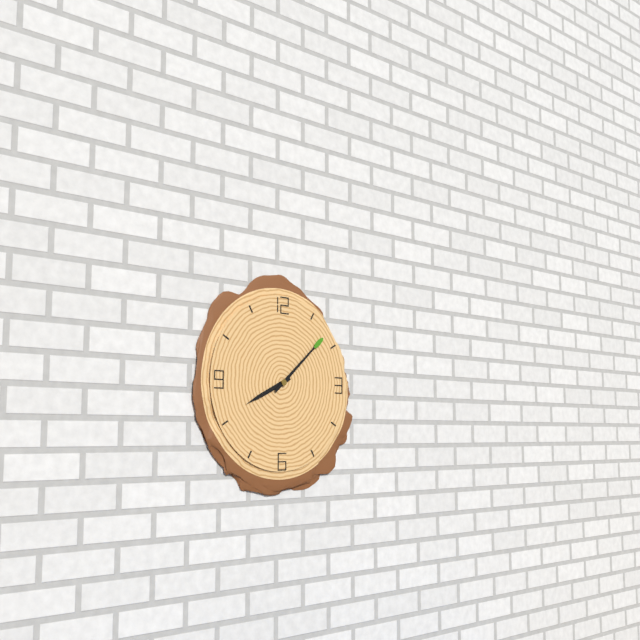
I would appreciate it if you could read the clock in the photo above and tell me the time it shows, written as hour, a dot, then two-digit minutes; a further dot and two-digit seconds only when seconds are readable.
8.08
